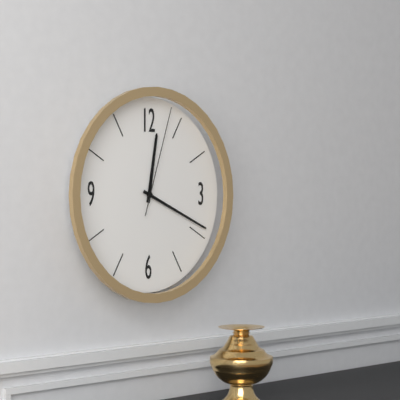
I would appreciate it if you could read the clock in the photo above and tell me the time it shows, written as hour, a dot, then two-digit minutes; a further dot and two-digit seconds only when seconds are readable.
12.19.03
